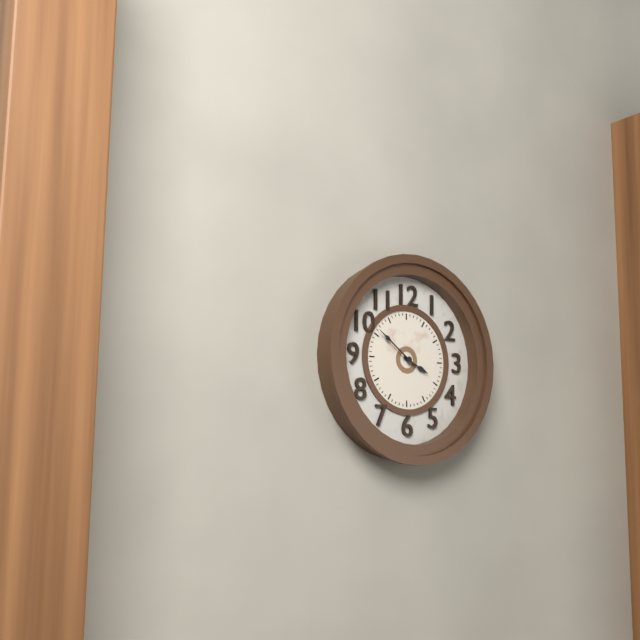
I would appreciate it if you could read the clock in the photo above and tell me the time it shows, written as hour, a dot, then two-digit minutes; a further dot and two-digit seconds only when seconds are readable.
3.51
